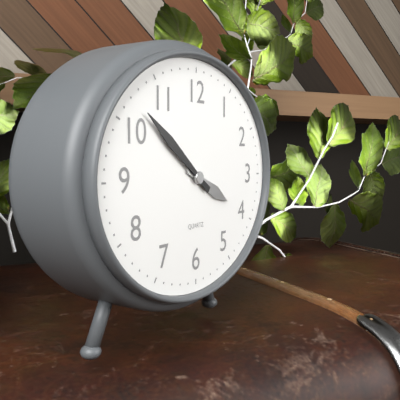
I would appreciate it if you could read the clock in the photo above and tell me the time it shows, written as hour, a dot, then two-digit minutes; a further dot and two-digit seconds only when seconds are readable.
3.51
